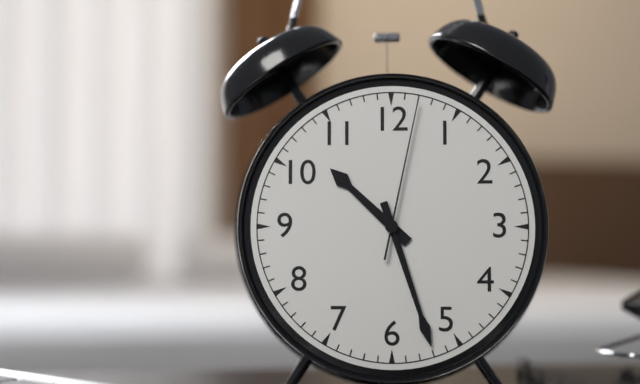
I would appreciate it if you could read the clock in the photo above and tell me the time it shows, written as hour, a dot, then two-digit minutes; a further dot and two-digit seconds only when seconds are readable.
10.27.02
